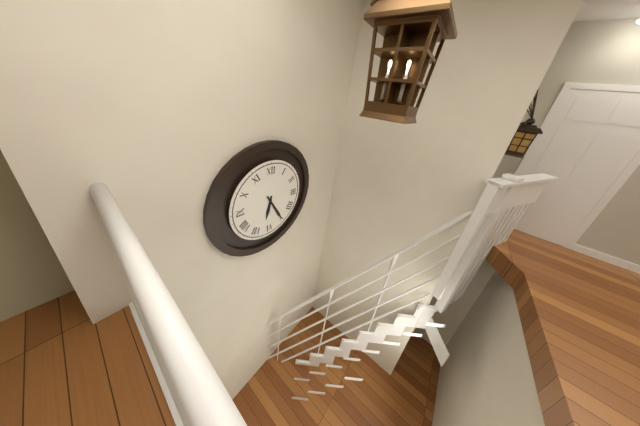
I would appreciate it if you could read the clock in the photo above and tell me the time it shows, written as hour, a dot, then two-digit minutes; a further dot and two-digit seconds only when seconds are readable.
6.25
